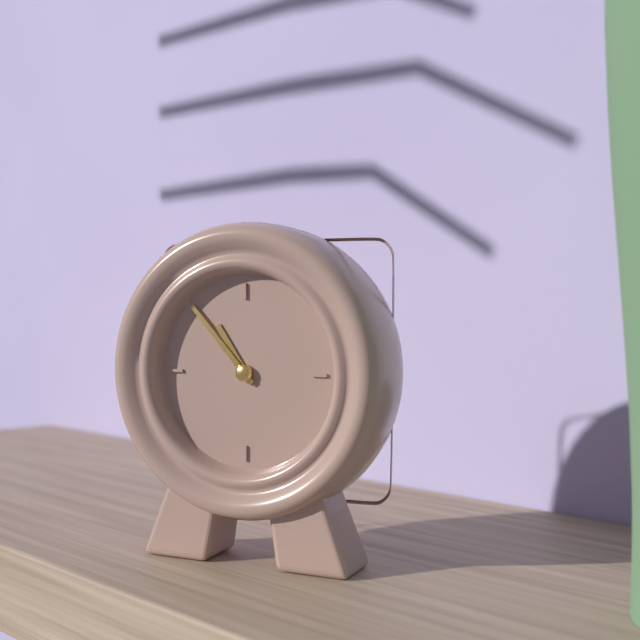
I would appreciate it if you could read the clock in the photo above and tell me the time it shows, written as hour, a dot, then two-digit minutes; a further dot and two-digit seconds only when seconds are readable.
10.53
